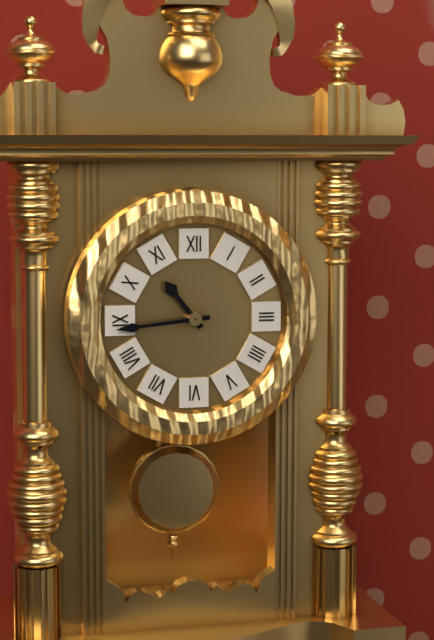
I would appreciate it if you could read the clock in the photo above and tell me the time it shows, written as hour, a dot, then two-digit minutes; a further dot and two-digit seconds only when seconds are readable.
10.44
